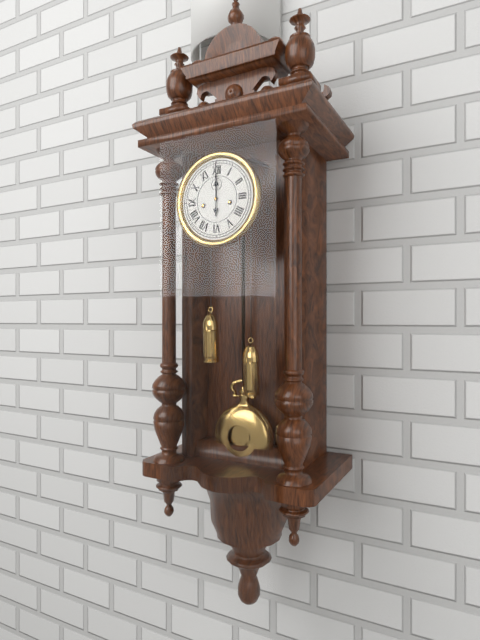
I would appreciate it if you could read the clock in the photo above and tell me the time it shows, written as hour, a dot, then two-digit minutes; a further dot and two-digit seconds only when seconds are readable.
12.00
